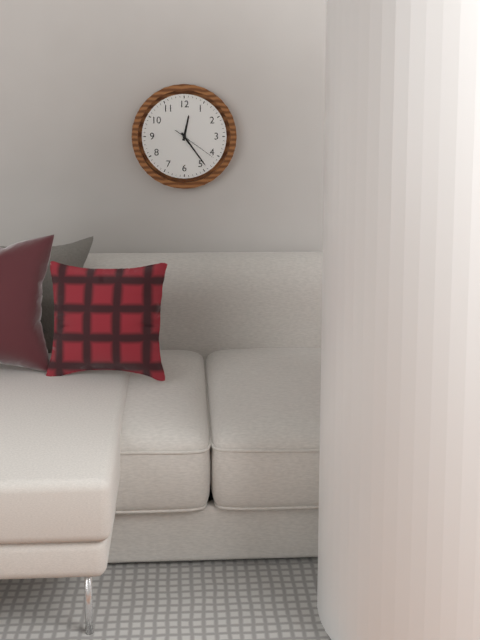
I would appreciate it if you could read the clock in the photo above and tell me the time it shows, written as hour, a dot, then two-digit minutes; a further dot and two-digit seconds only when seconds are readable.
12.24
